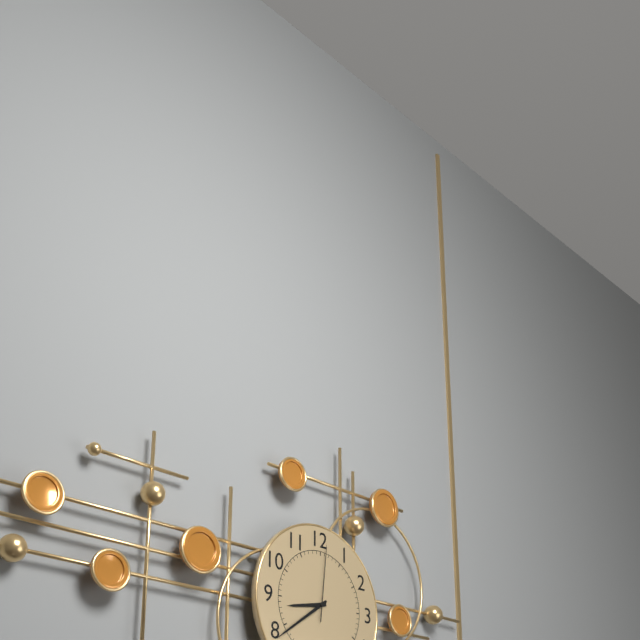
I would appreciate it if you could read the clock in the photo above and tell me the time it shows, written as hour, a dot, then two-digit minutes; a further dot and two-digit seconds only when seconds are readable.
8.39.01
